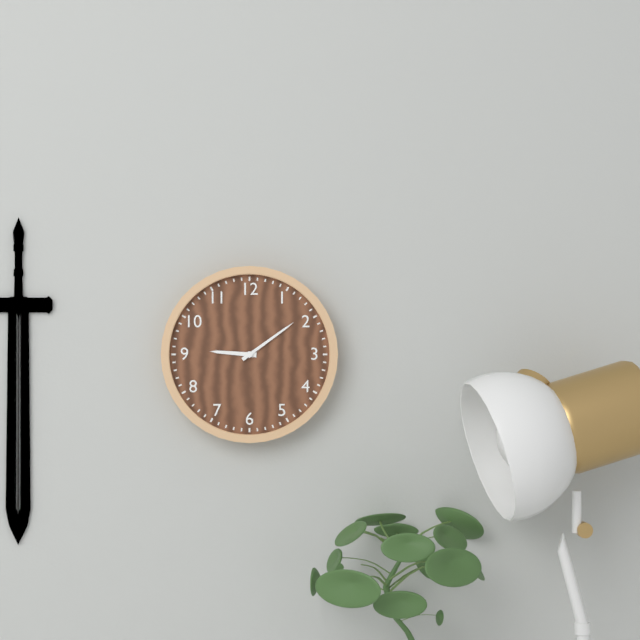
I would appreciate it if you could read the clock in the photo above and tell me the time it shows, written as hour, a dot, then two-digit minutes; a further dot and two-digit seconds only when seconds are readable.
9.09
